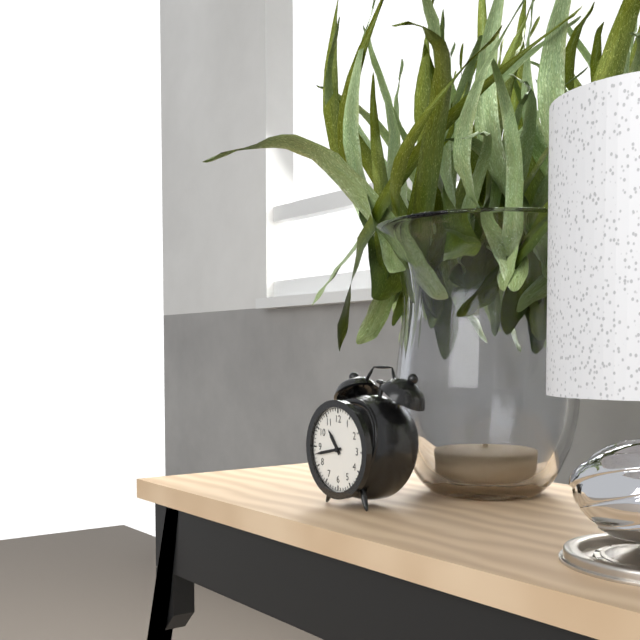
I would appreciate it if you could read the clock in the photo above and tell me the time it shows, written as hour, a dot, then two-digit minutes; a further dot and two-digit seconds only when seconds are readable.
10.43
